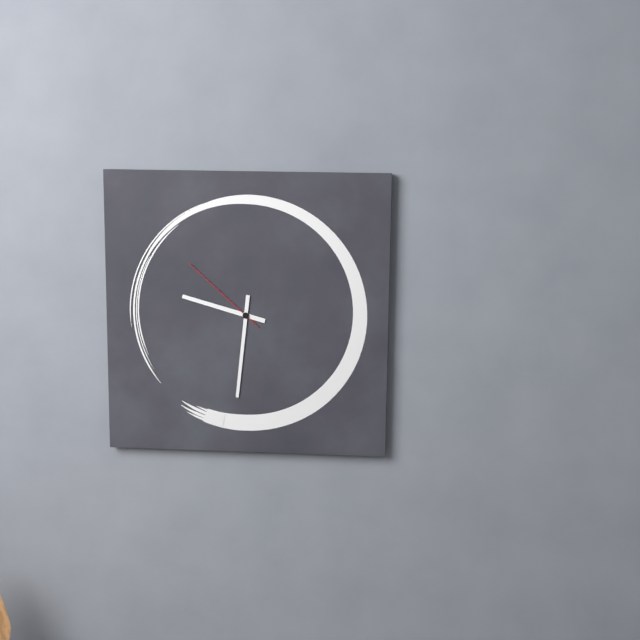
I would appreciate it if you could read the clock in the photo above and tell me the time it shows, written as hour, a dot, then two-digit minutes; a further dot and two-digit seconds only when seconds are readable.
9.31.52
